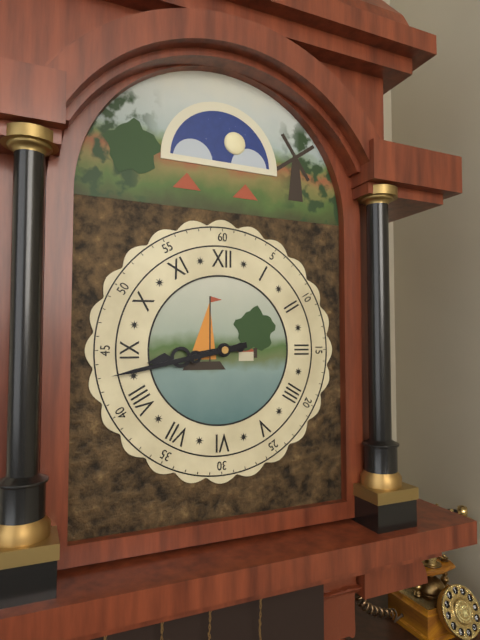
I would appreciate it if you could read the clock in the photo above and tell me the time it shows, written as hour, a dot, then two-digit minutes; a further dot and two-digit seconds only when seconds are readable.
8.43
